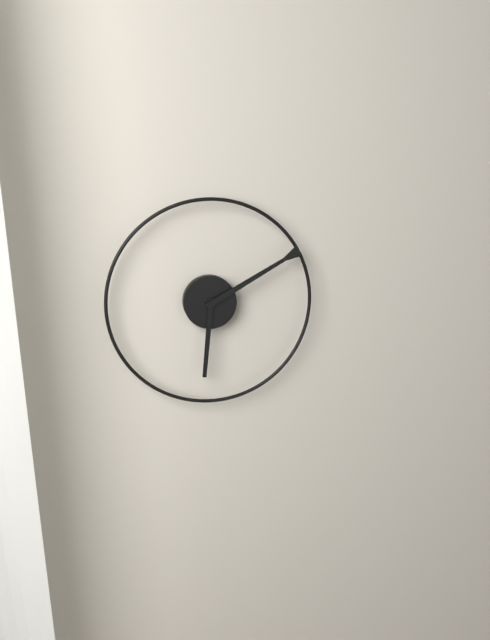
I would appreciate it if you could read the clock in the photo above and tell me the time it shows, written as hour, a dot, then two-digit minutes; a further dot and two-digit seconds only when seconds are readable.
6.10
